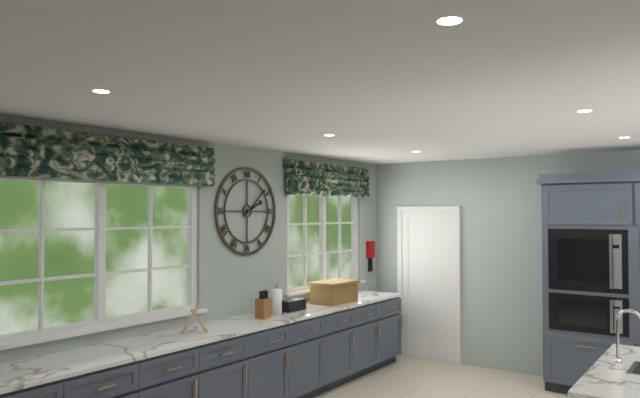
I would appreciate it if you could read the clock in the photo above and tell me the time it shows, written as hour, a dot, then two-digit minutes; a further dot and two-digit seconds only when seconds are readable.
2.08
